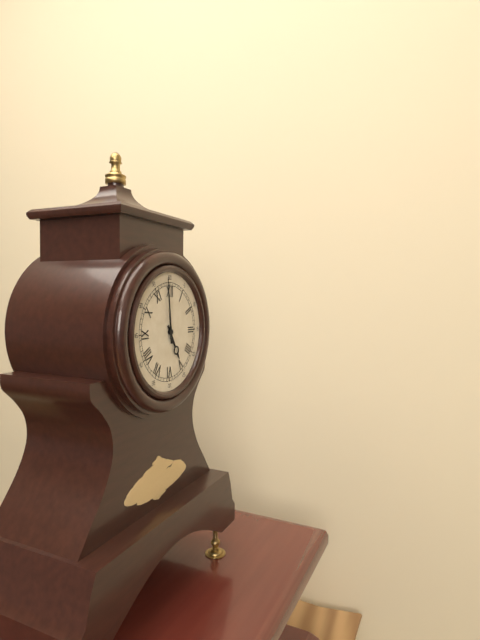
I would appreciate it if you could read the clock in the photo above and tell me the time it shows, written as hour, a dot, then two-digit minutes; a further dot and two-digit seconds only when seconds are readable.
4.59
